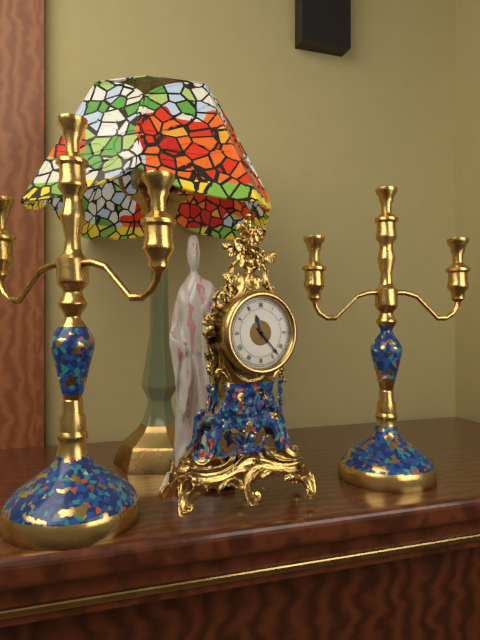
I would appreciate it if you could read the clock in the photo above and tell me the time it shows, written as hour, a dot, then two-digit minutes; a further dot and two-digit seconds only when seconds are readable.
11.23
